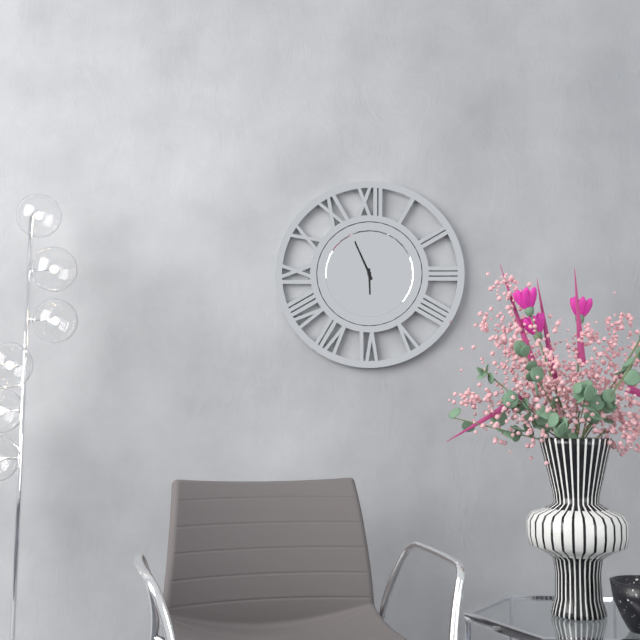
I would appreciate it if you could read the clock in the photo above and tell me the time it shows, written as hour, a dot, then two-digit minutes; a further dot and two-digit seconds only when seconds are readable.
5.56
